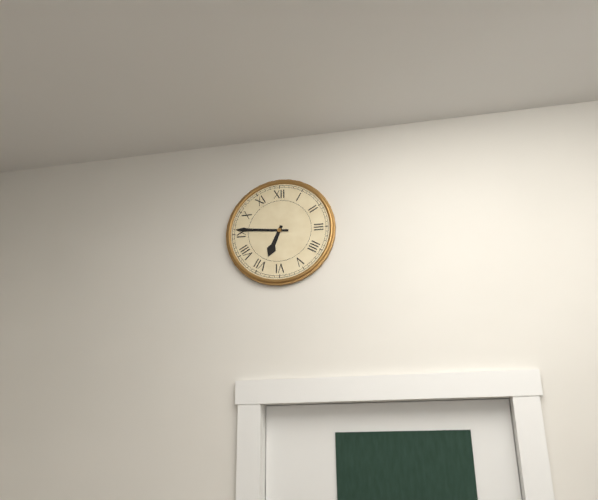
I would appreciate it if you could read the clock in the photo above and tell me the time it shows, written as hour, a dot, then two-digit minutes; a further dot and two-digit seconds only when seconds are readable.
6.46
